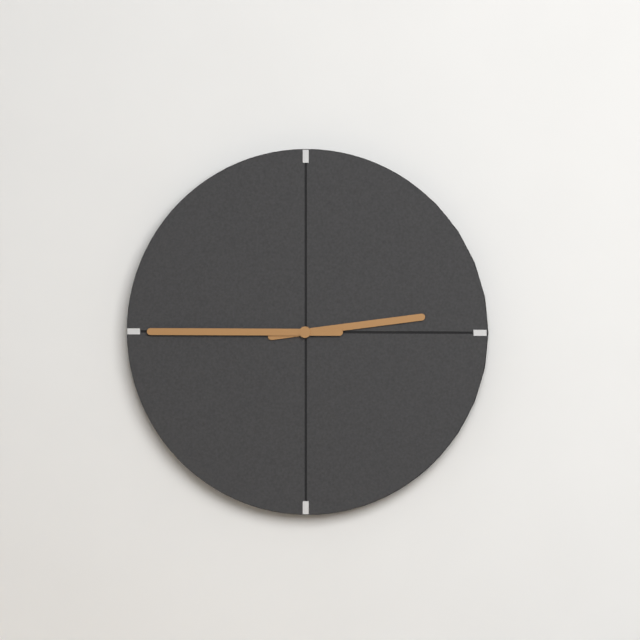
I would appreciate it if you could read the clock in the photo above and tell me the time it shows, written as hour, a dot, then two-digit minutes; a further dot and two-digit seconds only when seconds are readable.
2.45
